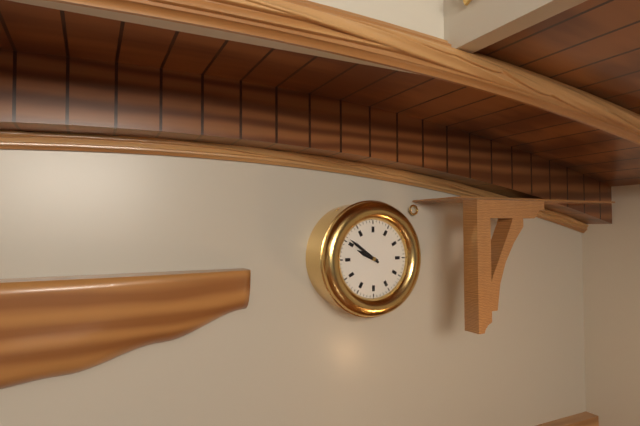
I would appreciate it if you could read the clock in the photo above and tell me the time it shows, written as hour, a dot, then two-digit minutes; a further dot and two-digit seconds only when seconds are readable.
9.51
